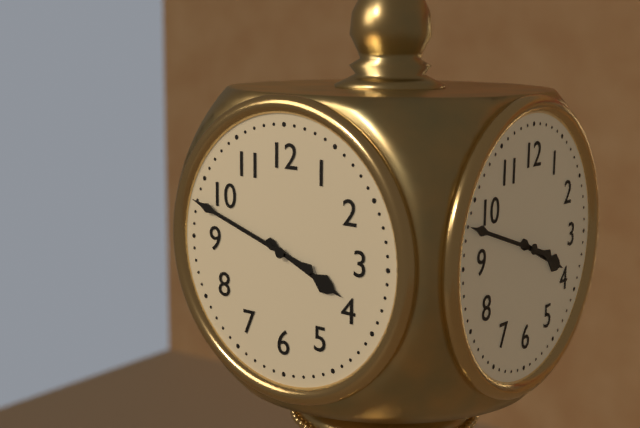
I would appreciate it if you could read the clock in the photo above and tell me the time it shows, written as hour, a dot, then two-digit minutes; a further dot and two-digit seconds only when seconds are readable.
3.48
